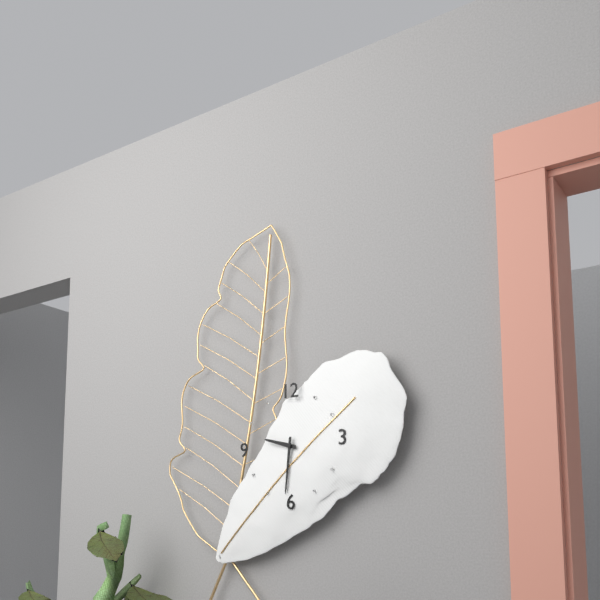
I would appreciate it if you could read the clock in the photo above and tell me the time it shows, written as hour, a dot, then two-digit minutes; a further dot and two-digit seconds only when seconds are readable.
9.31
